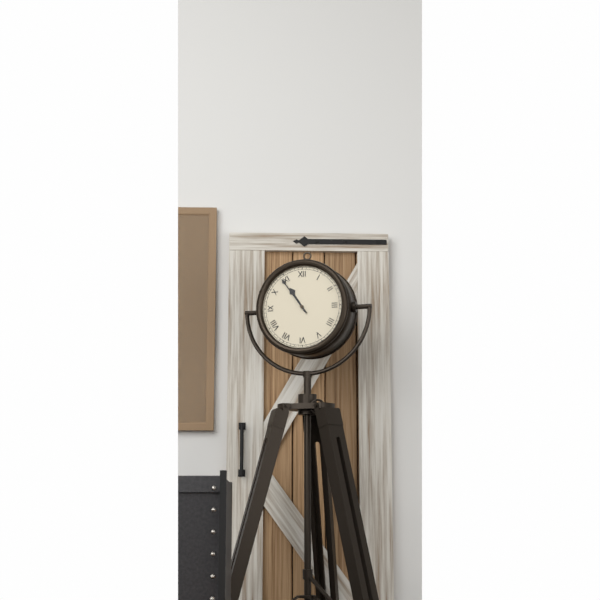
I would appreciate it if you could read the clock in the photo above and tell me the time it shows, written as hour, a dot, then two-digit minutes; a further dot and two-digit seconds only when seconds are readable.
10.54
